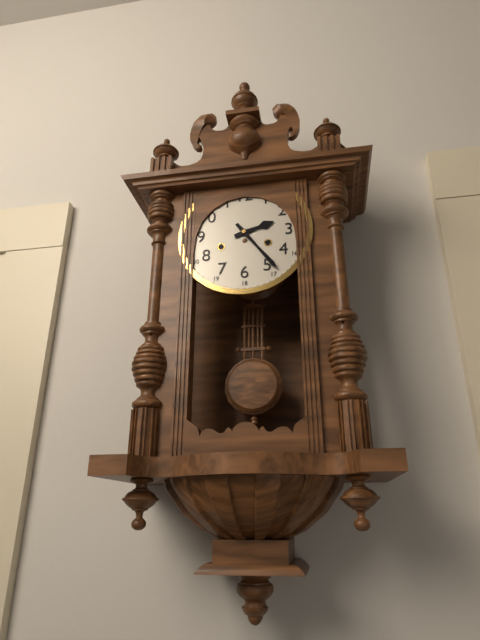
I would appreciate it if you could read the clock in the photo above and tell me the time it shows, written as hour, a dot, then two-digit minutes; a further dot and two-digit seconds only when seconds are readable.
2.24
